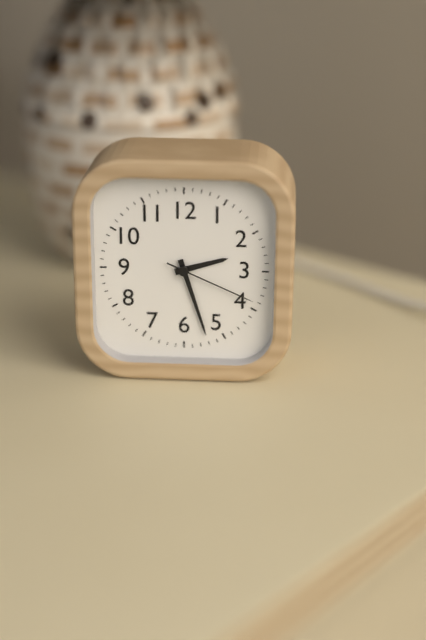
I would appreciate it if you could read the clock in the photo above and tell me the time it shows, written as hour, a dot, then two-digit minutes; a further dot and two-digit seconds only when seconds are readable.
2.27.19
